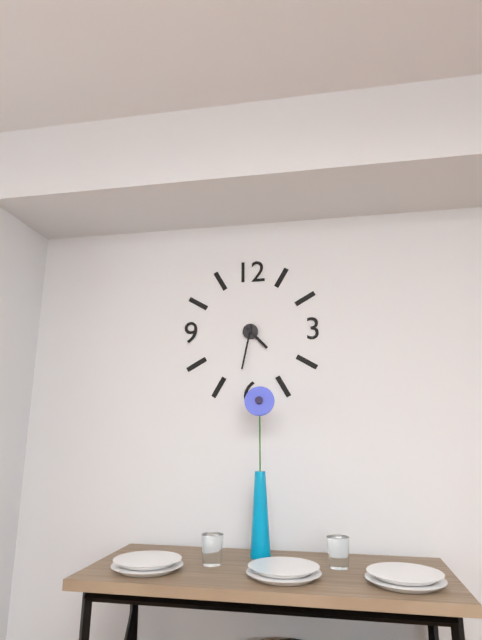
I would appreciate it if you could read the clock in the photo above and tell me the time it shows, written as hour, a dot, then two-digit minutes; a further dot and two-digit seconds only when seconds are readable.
4.32
